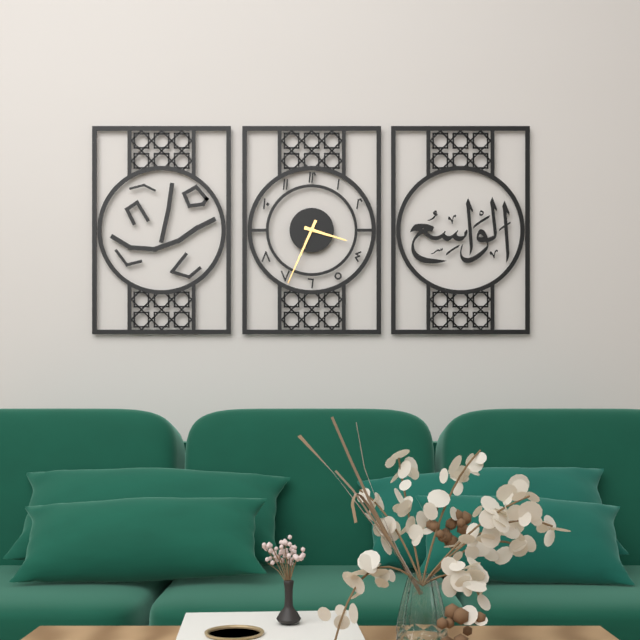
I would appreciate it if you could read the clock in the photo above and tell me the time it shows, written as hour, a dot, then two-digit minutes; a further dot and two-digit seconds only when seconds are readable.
3.34
